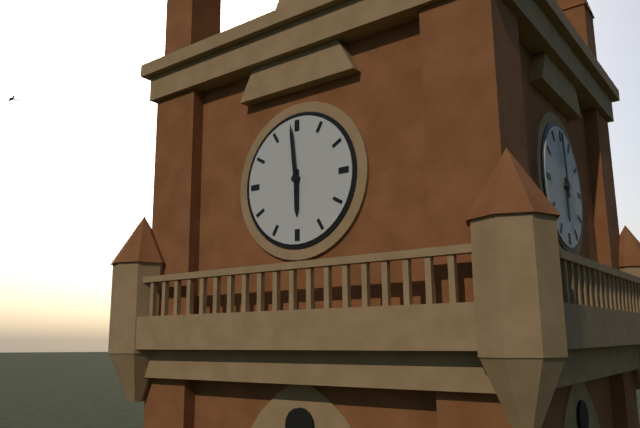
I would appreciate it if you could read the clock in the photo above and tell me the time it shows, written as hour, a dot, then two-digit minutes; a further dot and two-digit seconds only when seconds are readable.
5.59
